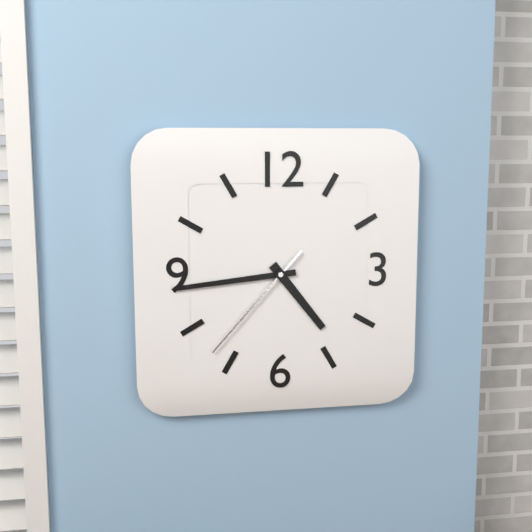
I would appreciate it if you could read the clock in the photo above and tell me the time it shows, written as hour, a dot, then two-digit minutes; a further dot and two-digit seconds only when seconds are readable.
4.44.37
